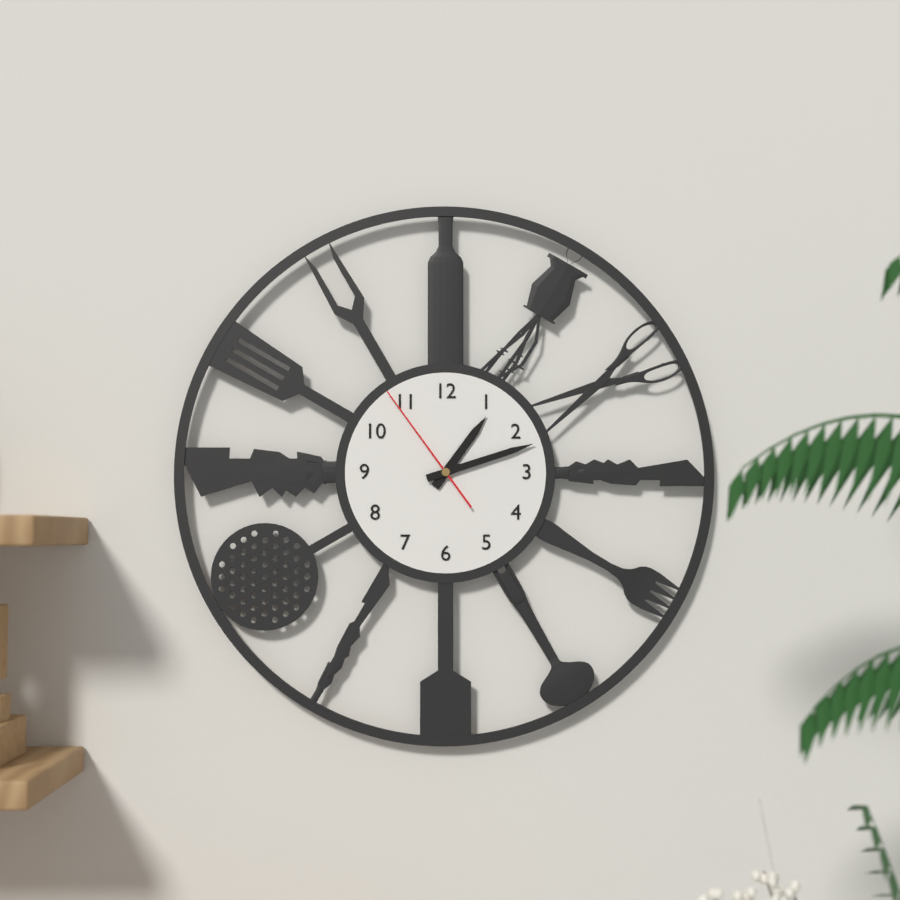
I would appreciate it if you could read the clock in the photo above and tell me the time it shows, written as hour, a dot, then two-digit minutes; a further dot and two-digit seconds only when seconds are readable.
1.12.54
